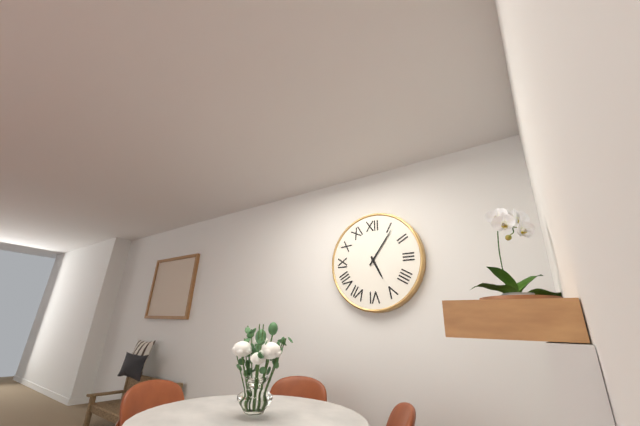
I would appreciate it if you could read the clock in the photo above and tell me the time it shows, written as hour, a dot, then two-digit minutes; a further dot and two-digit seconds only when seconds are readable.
5.06
